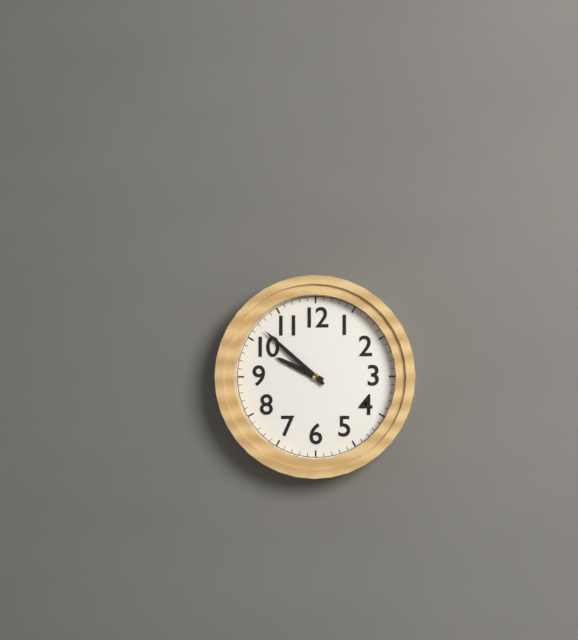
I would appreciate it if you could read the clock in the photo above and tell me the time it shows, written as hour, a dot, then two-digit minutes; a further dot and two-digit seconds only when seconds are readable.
9.52
